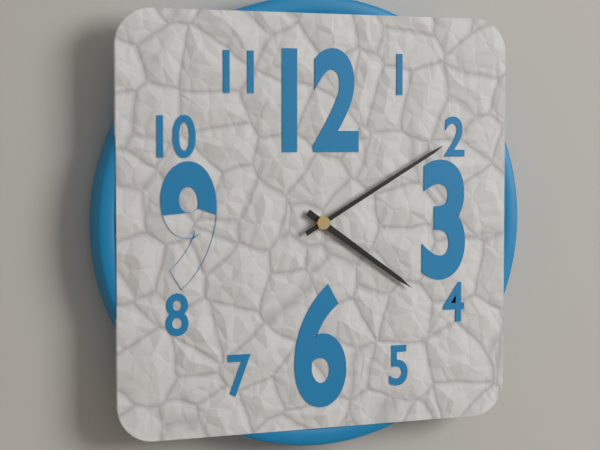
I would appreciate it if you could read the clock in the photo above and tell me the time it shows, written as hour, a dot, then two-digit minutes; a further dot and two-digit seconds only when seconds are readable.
4.10
